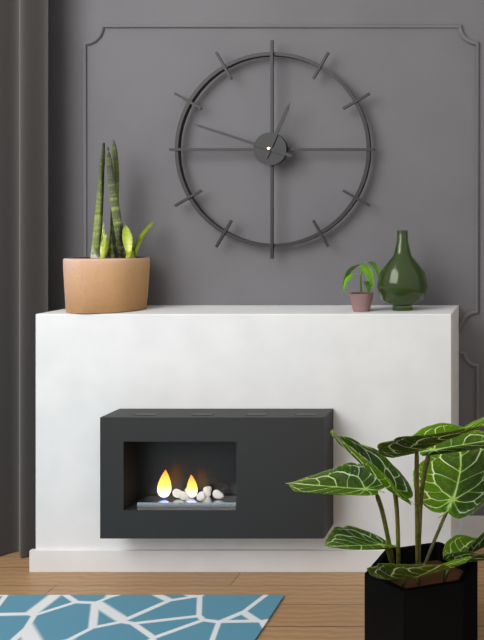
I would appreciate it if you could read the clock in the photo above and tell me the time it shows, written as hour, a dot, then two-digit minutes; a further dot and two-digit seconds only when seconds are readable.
12.48
